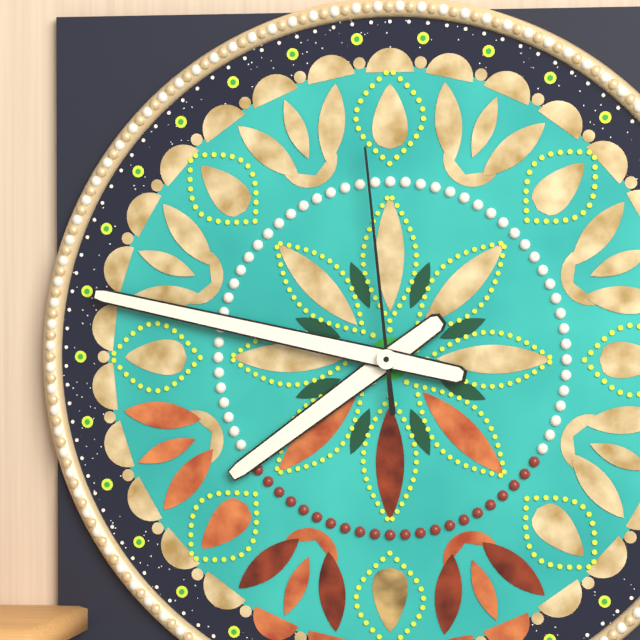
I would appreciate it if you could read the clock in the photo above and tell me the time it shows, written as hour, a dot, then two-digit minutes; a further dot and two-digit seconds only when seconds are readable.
7.47.59
